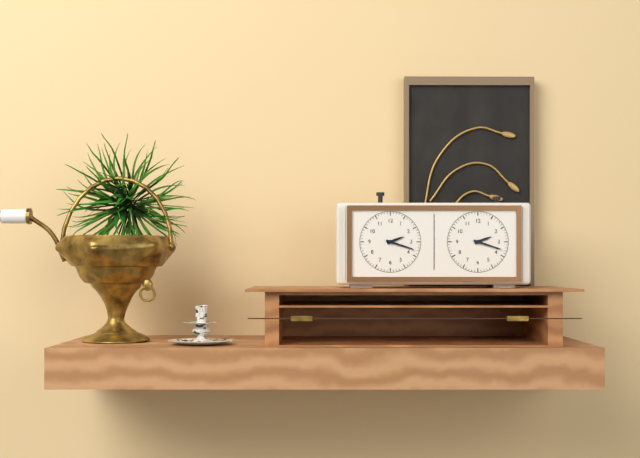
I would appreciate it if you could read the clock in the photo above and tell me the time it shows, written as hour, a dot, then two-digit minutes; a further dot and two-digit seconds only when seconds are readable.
2.18
